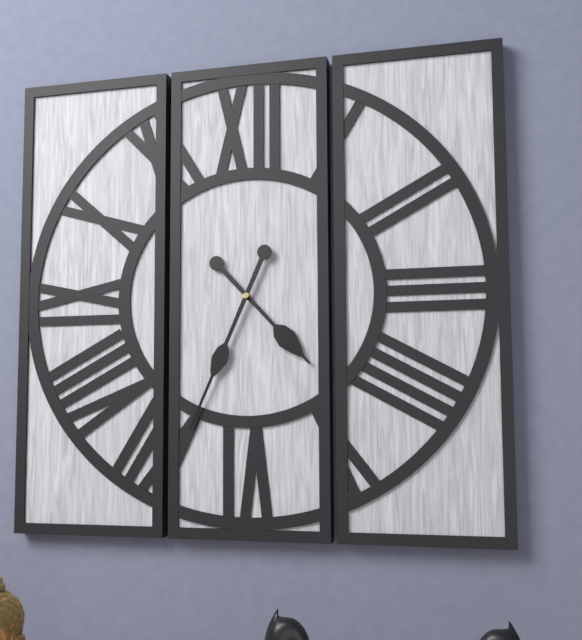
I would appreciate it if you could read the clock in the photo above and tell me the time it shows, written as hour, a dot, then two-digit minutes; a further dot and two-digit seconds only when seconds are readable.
4.34
